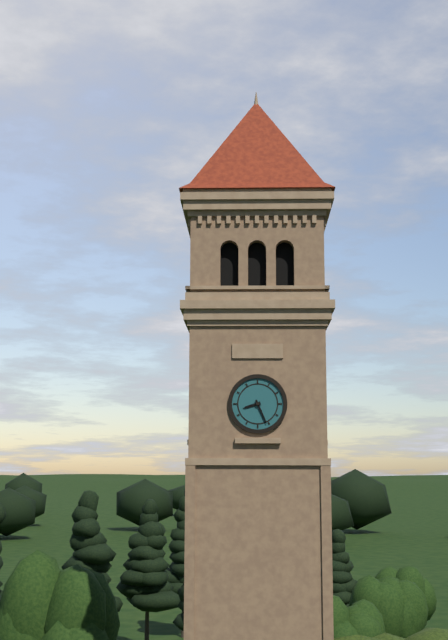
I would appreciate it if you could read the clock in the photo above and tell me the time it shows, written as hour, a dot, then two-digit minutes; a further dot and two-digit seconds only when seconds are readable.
8.26
